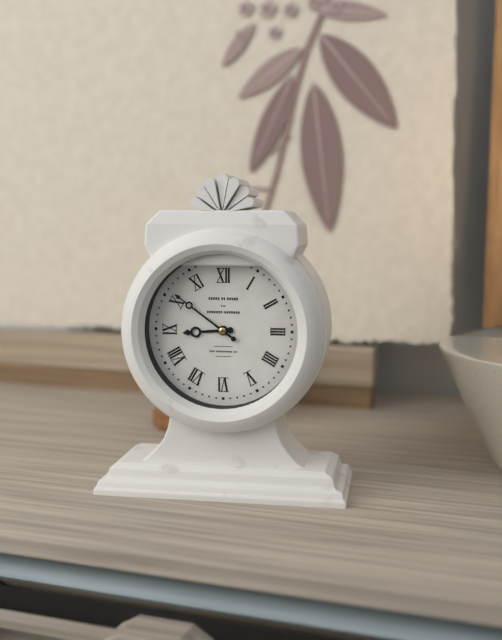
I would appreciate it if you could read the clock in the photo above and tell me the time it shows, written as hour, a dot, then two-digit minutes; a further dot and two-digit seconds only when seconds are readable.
8.51
